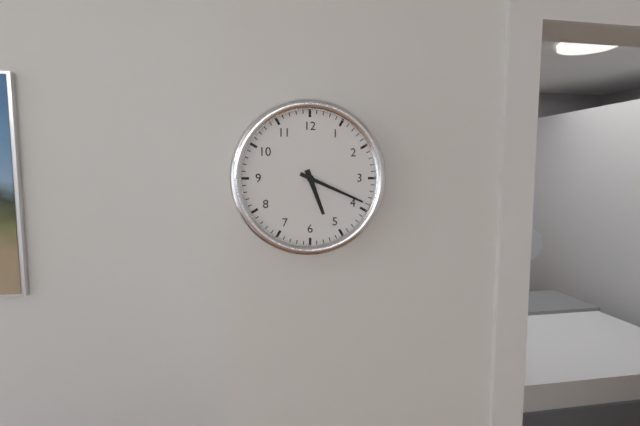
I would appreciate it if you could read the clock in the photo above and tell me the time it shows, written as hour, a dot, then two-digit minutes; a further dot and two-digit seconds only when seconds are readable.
5.19
